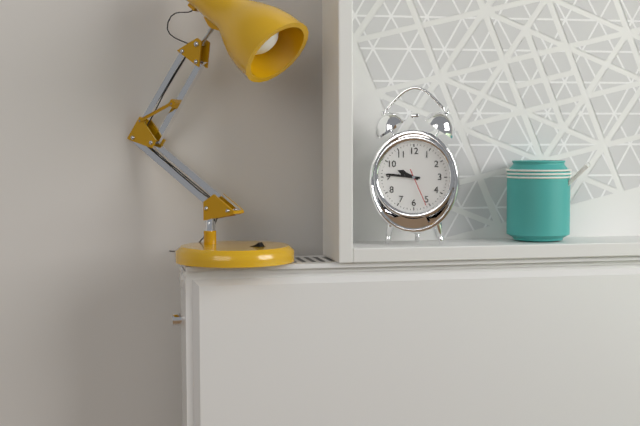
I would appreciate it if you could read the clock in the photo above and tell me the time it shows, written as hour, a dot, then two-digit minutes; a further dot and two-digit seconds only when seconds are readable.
9.46
